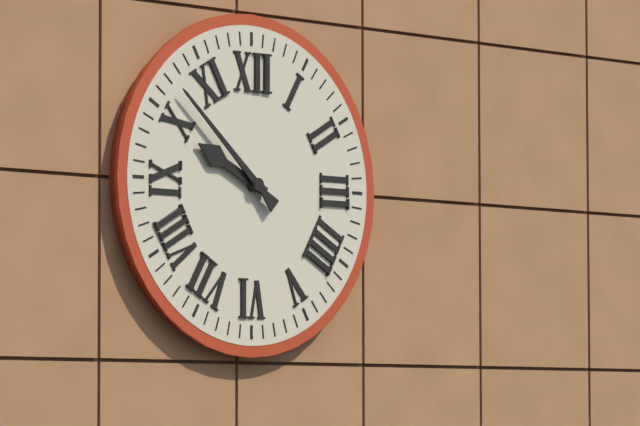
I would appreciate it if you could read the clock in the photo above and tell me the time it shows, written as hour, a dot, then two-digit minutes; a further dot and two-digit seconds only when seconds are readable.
9.52
